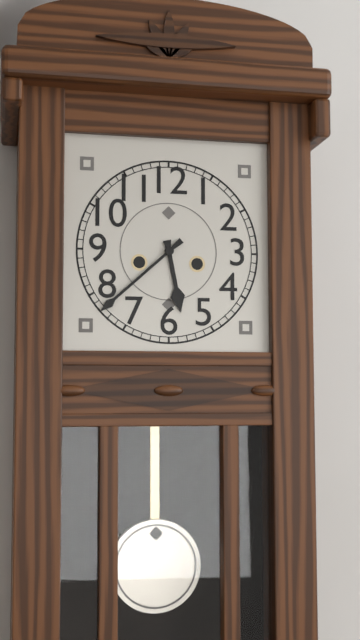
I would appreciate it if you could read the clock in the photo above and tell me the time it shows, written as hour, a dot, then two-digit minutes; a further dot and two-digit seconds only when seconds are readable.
5.38
